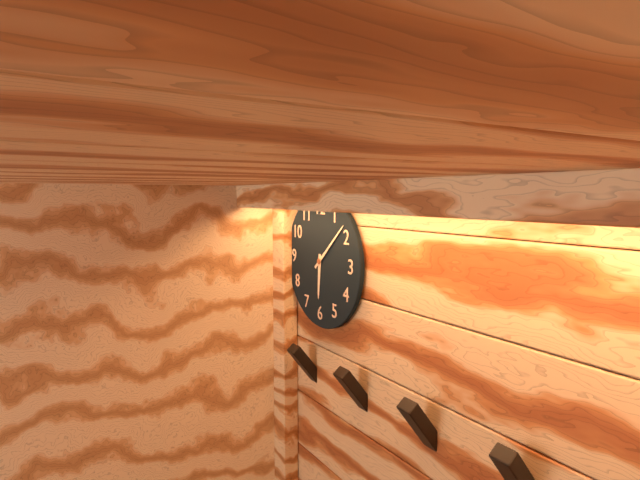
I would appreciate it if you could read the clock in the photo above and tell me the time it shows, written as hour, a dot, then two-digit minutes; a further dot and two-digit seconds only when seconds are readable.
6.08
